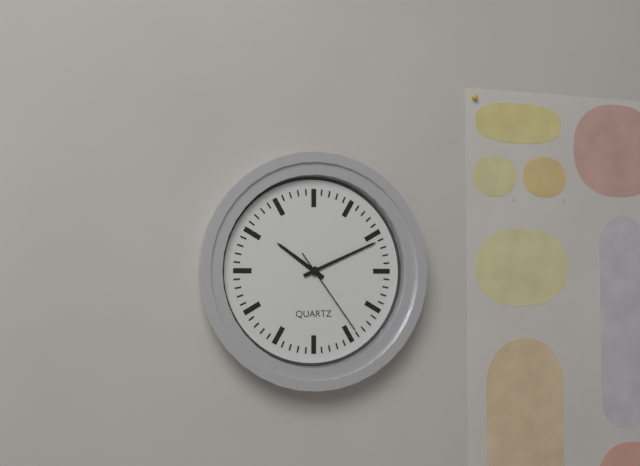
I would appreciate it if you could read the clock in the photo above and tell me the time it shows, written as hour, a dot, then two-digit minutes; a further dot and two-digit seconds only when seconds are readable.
10.11.24
